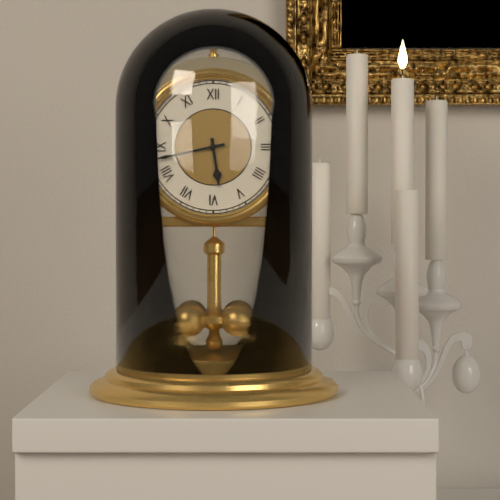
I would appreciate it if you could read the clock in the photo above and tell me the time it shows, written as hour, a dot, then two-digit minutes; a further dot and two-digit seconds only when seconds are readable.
5.43
